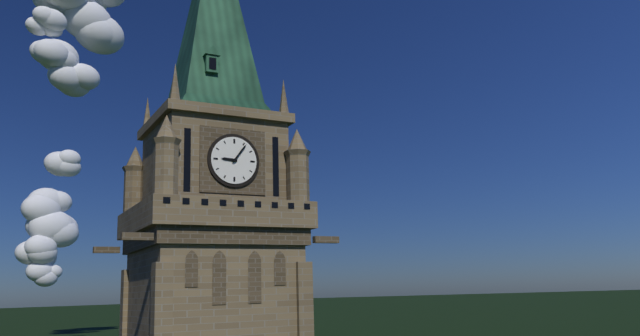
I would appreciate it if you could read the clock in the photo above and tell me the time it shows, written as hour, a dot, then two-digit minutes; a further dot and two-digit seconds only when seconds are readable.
9.06
